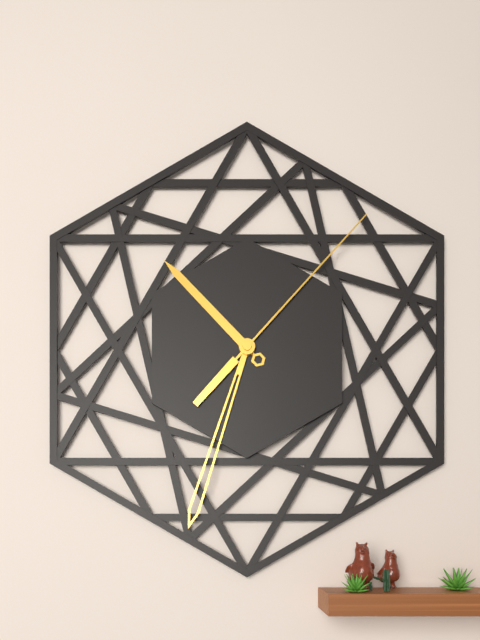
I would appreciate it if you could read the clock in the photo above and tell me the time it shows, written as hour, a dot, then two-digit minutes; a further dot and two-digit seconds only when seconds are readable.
10.33.07
